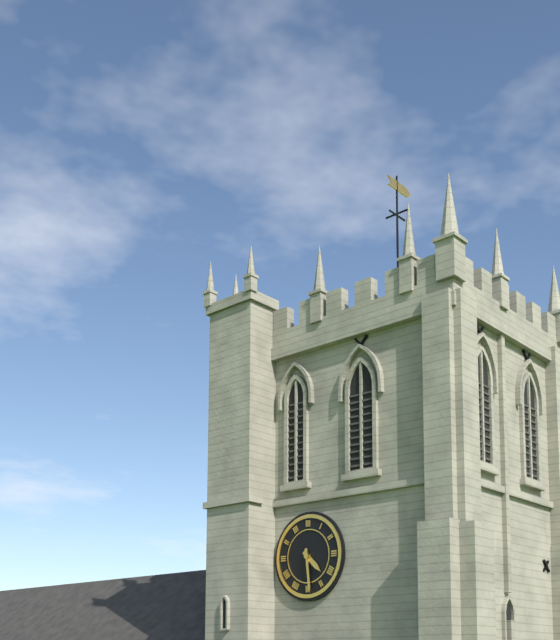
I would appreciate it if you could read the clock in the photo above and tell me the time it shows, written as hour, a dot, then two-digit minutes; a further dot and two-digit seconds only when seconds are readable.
4.29
